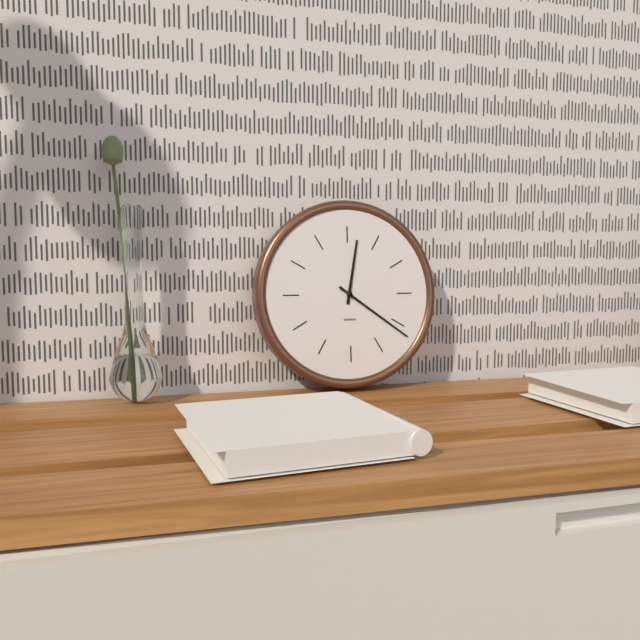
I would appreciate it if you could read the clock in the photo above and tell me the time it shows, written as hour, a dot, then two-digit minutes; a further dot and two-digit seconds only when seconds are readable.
12.21
